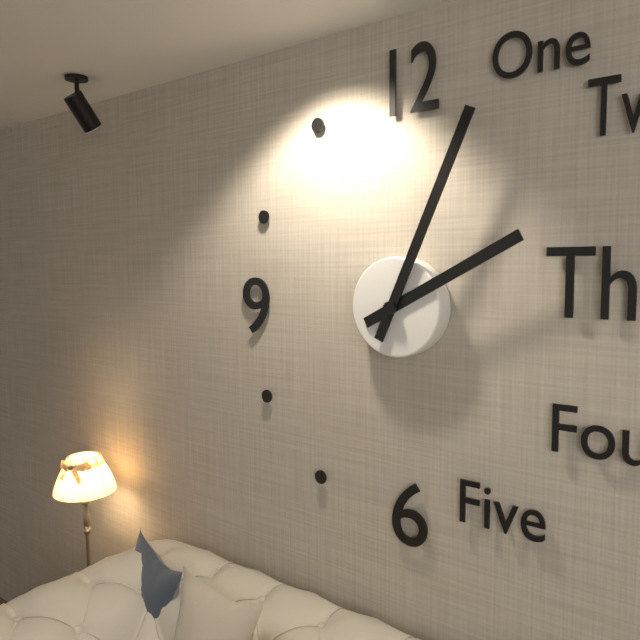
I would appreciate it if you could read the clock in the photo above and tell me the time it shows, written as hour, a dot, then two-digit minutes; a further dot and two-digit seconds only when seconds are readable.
2.04
